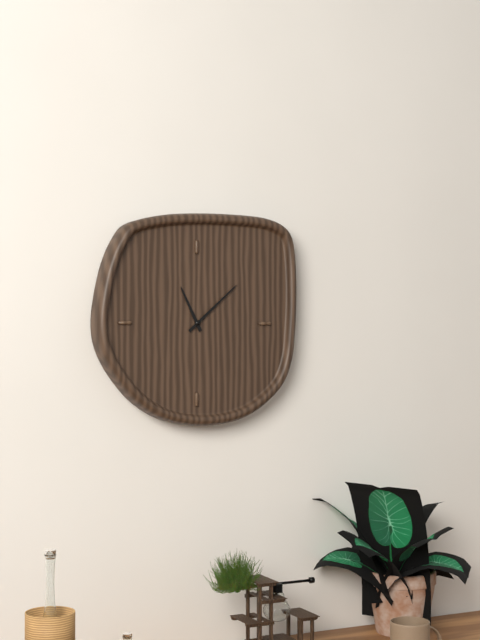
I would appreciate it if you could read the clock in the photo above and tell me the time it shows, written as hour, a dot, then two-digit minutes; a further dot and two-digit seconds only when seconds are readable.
11.08
